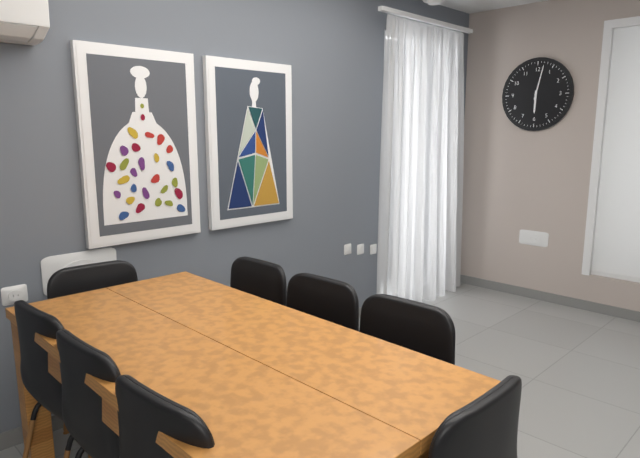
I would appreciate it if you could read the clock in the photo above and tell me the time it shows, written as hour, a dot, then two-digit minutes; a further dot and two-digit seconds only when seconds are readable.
6.02
